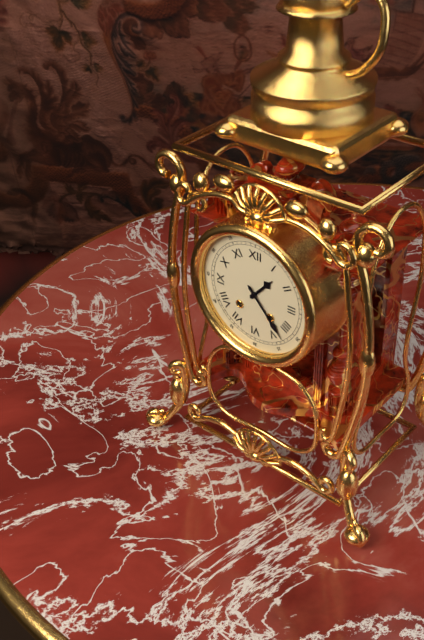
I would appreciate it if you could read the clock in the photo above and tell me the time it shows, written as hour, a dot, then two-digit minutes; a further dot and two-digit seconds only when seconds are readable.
1.23
